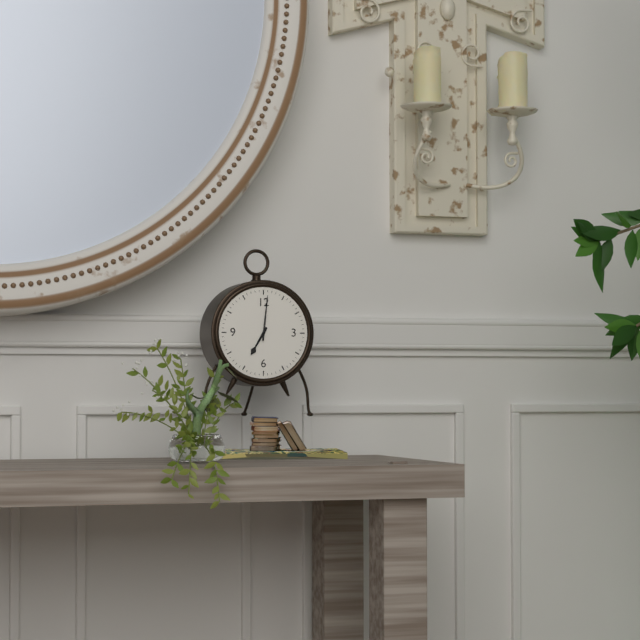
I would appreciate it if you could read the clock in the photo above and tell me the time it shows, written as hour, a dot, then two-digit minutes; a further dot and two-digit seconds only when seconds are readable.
7.01
